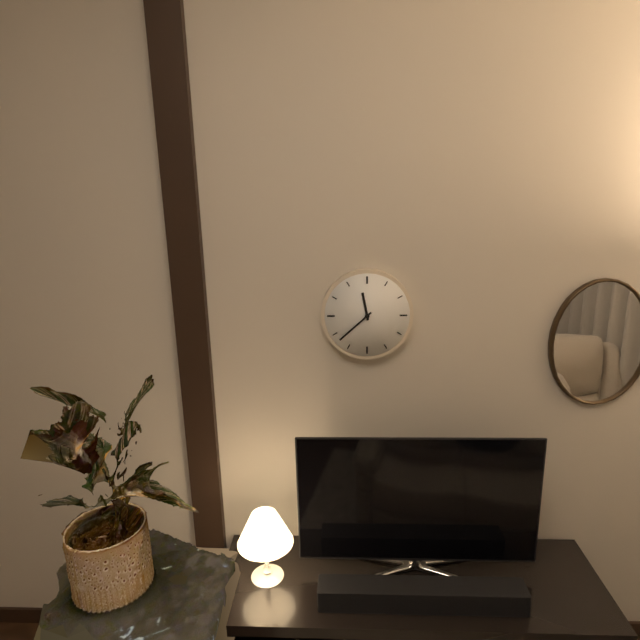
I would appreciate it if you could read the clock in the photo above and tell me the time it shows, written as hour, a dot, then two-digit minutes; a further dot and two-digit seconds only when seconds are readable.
11.38
